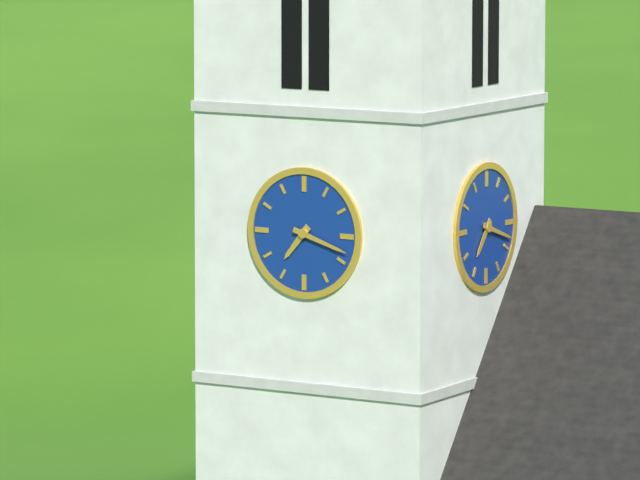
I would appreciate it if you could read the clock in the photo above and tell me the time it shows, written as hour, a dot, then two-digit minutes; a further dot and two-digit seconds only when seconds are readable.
7.18
